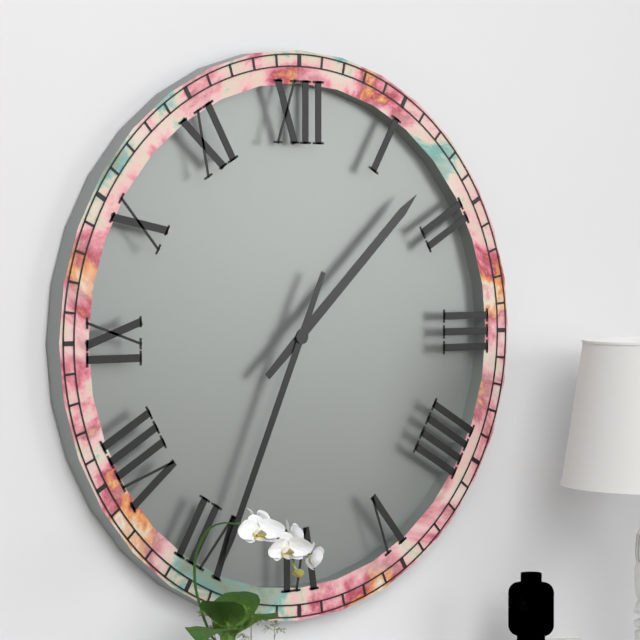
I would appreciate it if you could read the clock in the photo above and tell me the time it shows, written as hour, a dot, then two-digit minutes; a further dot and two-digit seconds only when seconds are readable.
1.34
